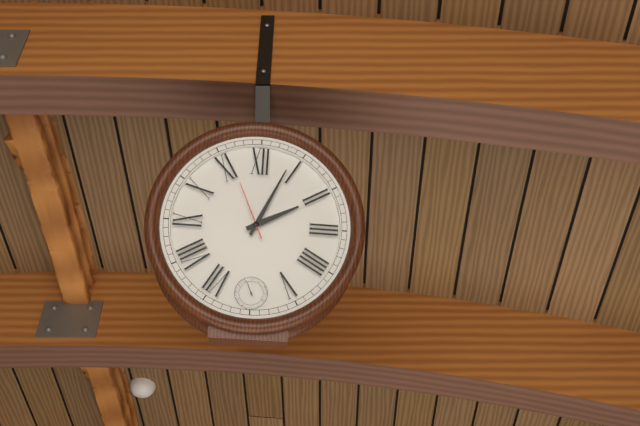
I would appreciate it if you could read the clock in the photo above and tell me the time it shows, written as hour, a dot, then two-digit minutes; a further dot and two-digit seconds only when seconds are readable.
2.04.56
